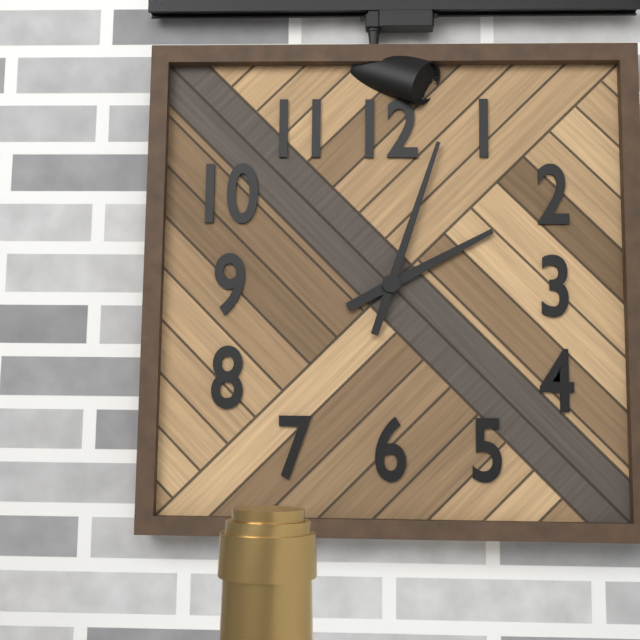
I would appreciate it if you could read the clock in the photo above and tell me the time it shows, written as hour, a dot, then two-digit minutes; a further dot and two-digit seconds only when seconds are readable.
2.03
